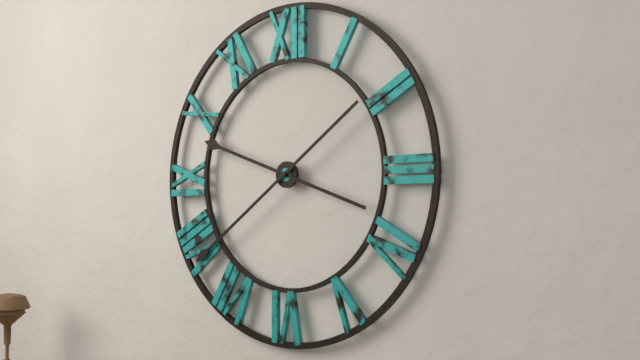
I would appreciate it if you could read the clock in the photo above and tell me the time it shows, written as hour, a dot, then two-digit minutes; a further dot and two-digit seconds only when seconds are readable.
9.39
